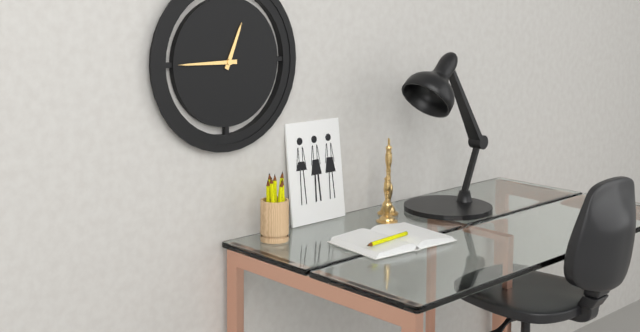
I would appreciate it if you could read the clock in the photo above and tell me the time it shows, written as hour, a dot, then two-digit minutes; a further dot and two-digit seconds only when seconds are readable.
12.45
